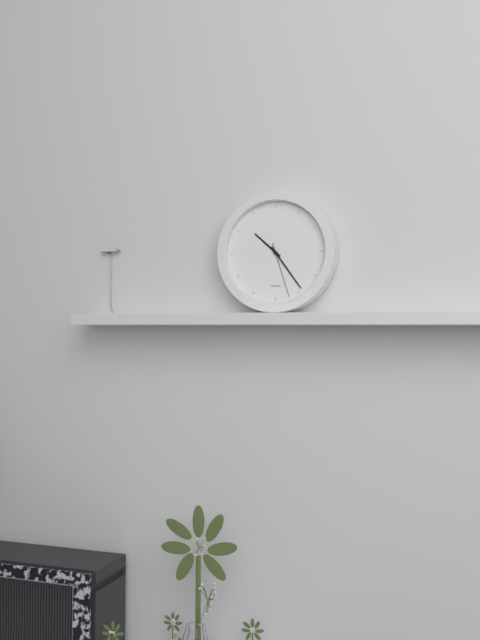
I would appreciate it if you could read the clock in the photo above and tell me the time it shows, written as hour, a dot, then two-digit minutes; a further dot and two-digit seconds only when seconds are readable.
10.24.27
